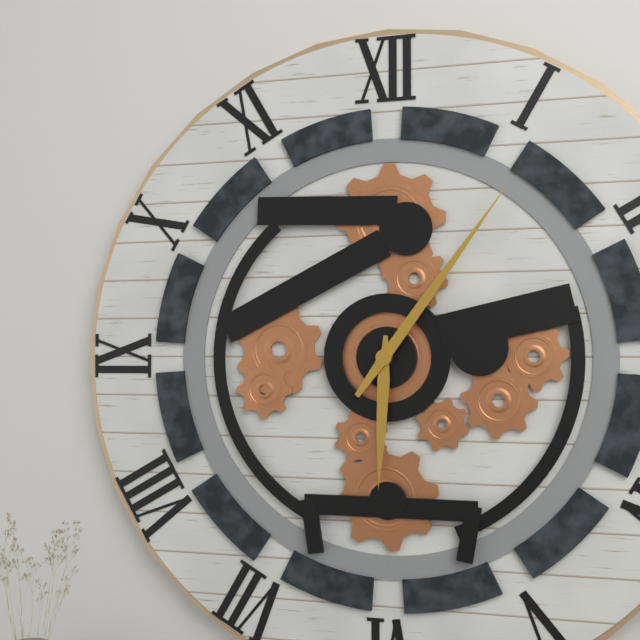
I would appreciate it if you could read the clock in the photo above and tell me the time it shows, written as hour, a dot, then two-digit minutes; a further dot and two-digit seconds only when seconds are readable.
6.06
